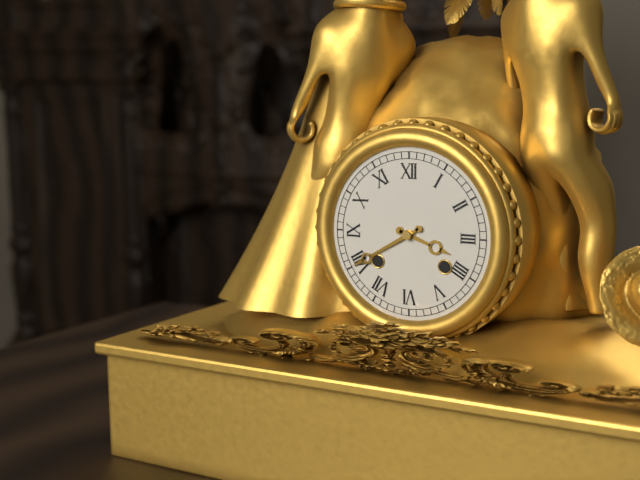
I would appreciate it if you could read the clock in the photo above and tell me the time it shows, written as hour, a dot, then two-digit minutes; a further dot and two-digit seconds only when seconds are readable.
3.40
